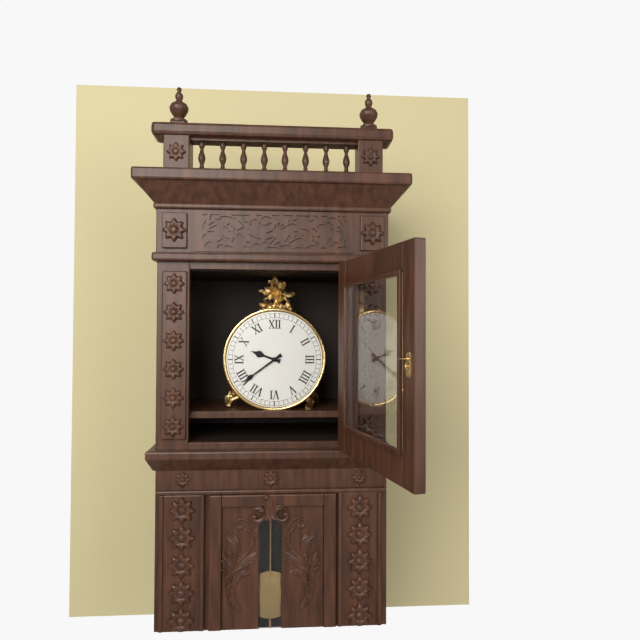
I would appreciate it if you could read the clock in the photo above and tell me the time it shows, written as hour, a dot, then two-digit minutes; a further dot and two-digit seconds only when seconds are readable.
9.39
